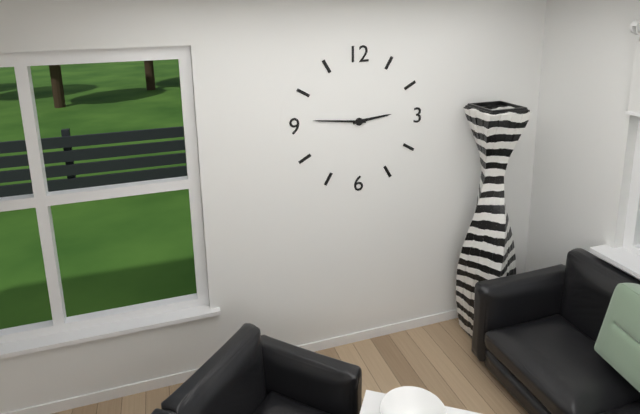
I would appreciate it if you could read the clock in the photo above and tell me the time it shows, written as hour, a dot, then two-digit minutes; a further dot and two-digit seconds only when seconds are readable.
2.46
